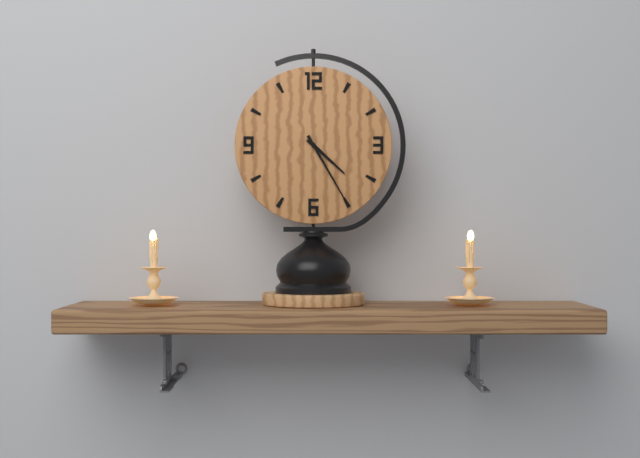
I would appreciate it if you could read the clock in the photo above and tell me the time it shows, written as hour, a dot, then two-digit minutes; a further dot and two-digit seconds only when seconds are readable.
4.25
